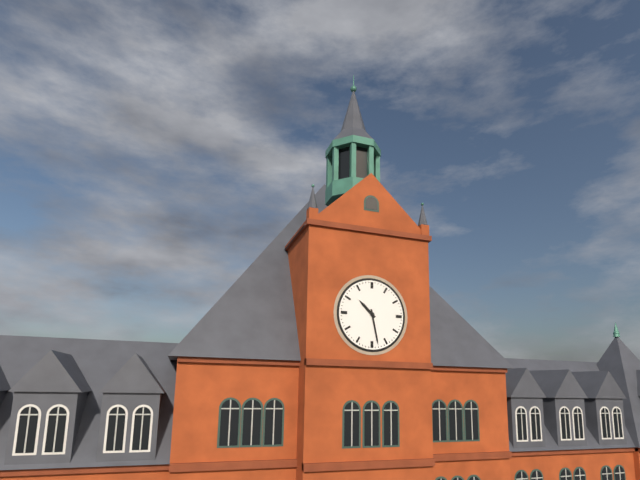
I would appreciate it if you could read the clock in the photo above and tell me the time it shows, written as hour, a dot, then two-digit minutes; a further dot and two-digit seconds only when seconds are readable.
10.28
